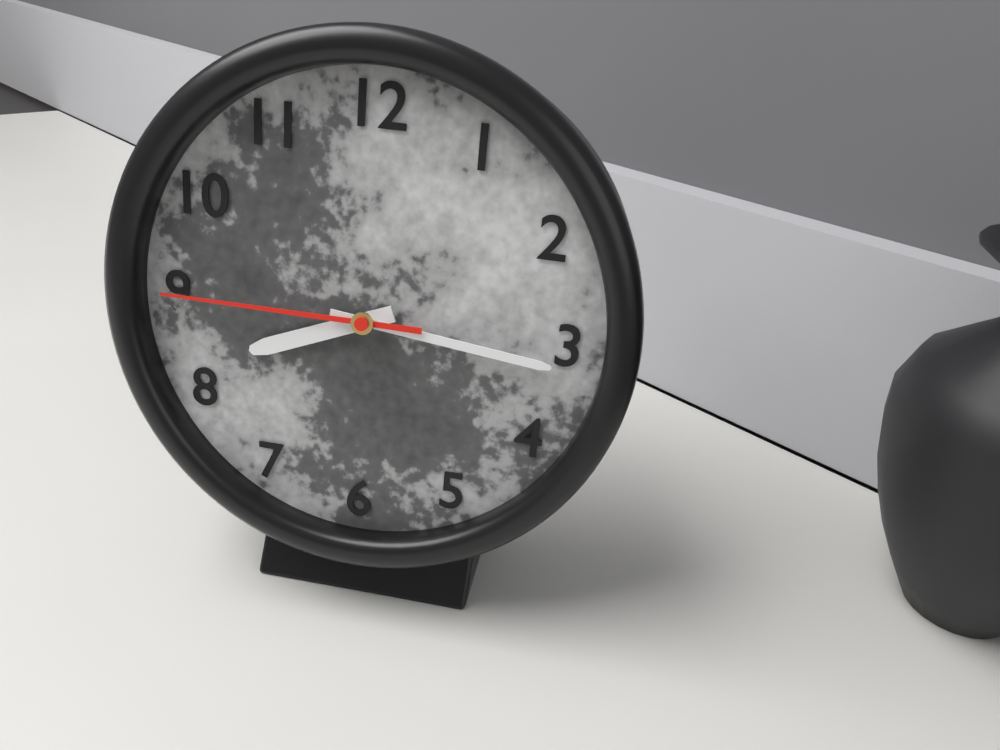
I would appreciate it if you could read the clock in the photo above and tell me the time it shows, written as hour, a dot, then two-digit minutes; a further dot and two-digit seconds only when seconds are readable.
8.16.45
